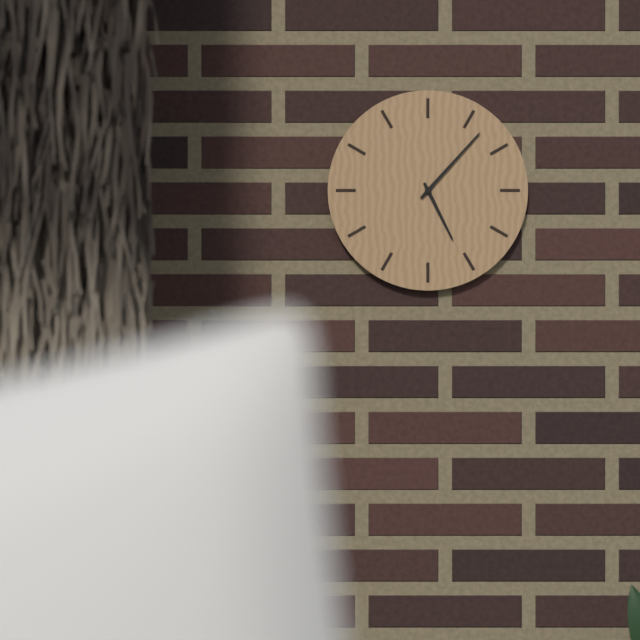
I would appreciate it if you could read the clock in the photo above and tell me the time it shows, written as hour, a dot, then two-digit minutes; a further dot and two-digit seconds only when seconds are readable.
5.07
